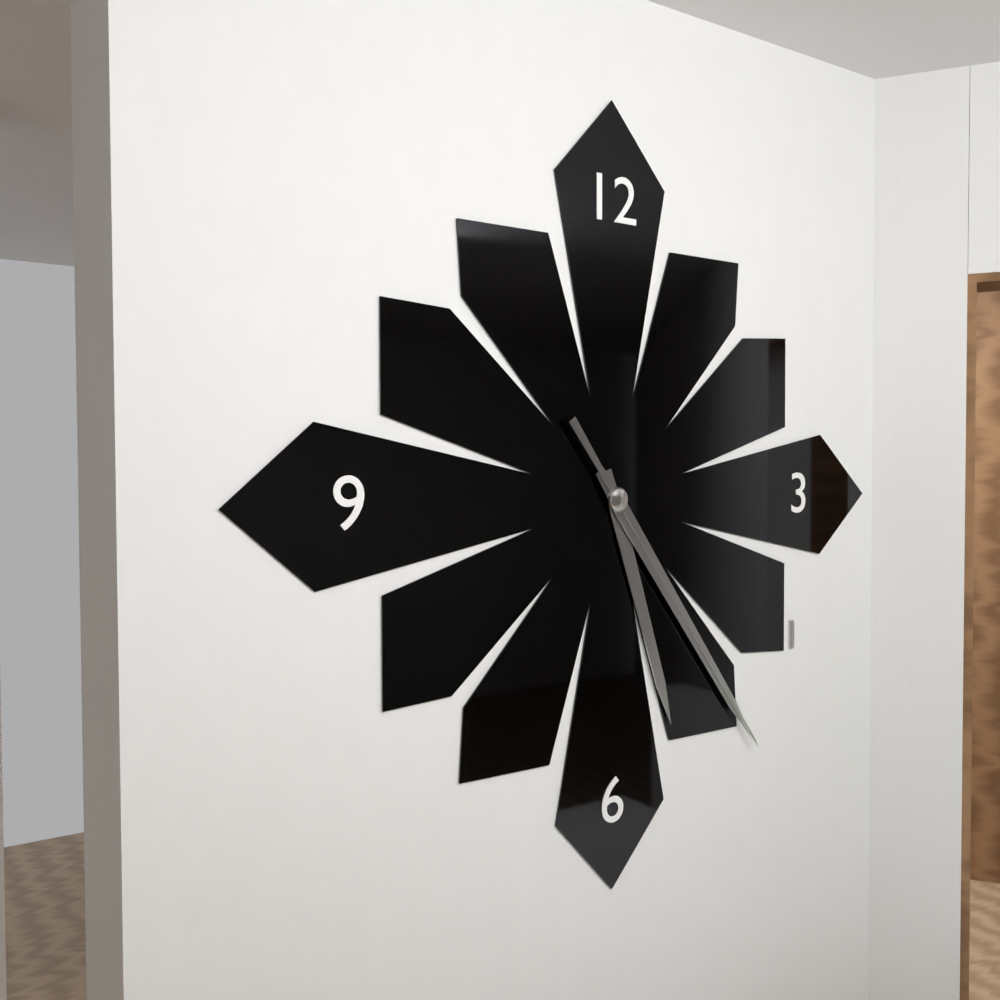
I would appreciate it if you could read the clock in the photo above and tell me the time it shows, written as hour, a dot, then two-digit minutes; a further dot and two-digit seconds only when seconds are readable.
5.24.24
